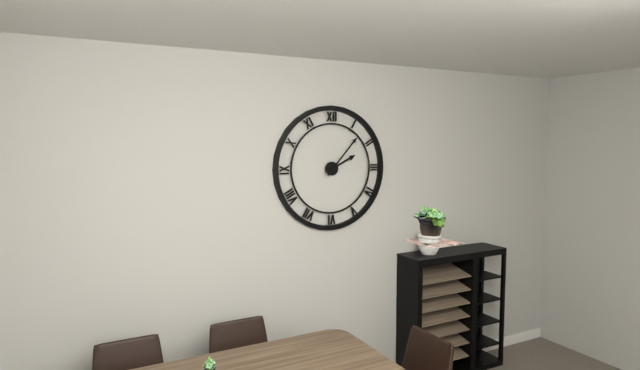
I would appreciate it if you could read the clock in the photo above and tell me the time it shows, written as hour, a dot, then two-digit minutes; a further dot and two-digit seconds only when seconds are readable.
2.07
